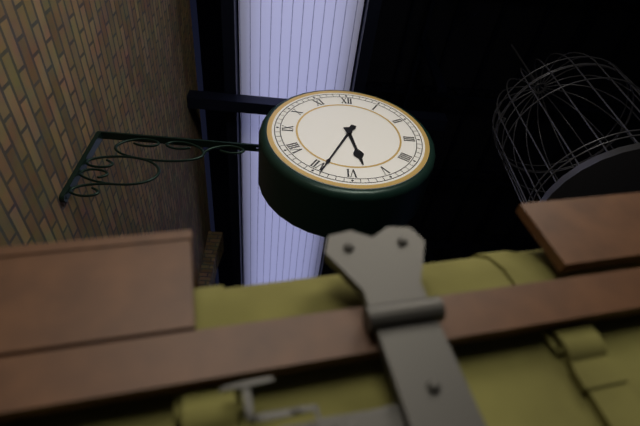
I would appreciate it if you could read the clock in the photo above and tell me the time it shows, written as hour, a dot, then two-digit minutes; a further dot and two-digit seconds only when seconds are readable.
5.34
